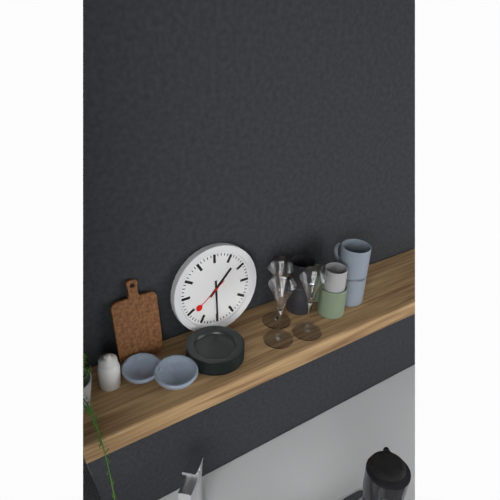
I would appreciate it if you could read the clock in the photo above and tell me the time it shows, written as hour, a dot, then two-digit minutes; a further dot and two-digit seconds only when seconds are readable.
1.30
